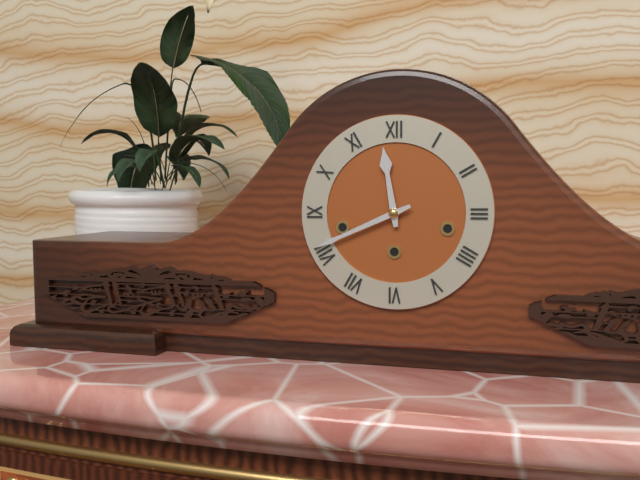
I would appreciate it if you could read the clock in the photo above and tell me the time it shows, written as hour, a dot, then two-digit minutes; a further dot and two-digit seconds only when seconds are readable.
11.41
